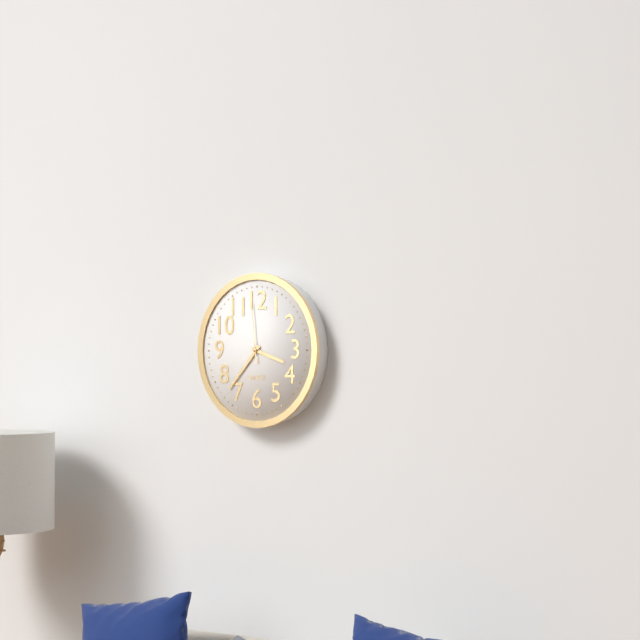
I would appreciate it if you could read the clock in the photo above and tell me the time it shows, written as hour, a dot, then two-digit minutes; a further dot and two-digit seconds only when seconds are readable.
3.37.59
